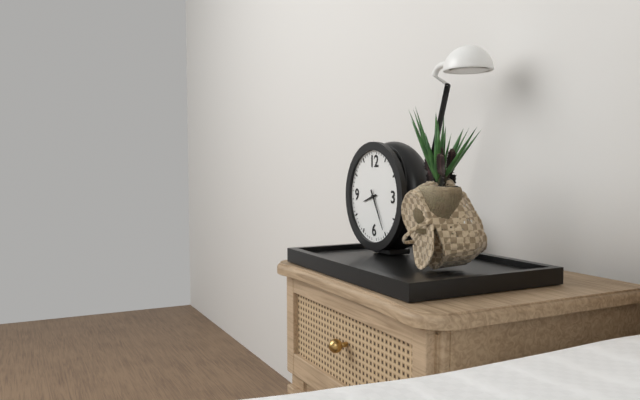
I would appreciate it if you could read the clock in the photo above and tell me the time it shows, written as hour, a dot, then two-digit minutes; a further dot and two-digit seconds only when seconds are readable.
8.25
